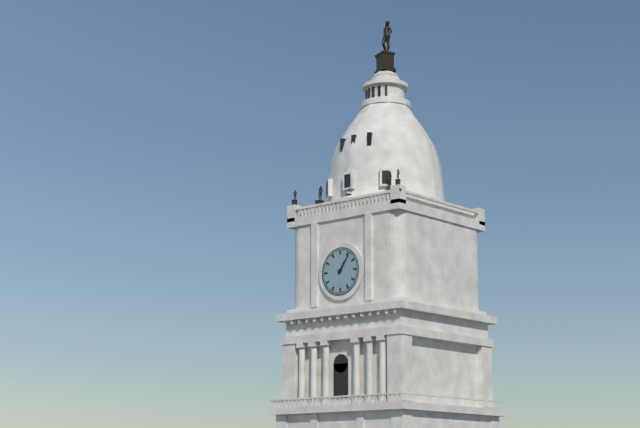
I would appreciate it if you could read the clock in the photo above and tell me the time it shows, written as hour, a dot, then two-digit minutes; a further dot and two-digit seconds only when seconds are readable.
1.06
